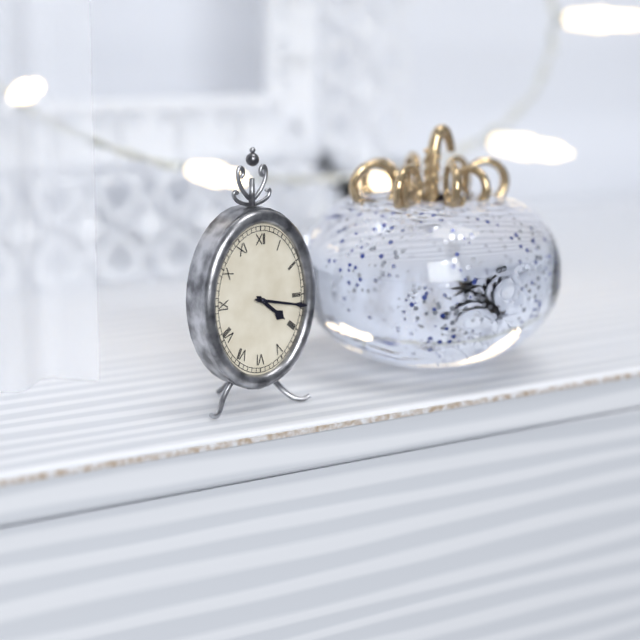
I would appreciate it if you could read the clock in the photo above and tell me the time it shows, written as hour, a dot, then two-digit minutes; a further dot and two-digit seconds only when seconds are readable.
4.17
